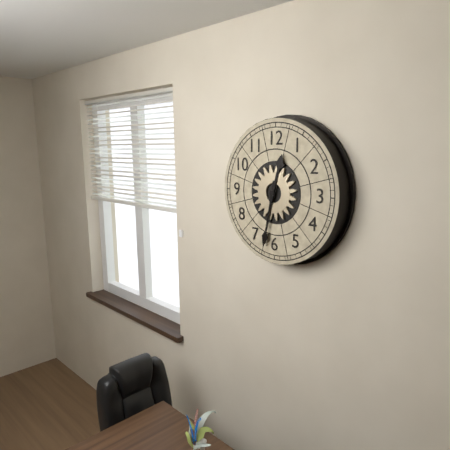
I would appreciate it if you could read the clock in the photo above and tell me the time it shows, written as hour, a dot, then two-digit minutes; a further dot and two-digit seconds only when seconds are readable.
12.32
